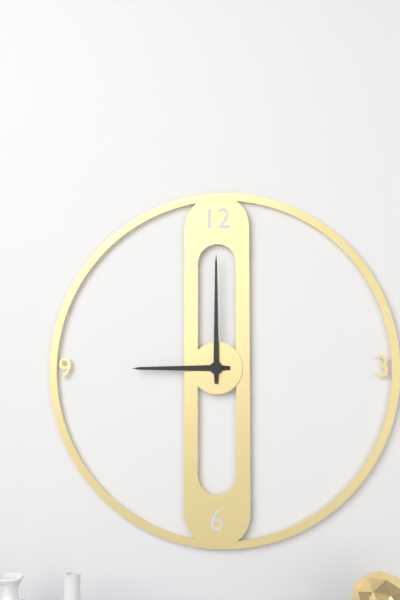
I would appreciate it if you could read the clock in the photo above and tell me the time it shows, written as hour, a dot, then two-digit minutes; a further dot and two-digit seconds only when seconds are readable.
9.00
